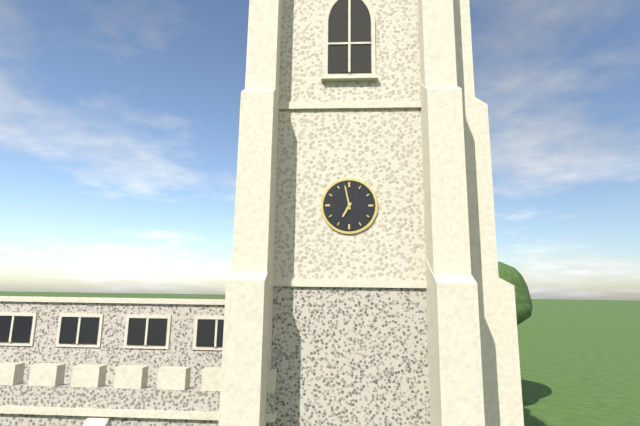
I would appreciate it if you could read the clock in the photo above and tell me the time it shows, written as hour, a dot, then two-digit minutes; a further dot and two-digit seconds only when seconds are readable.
6.58
